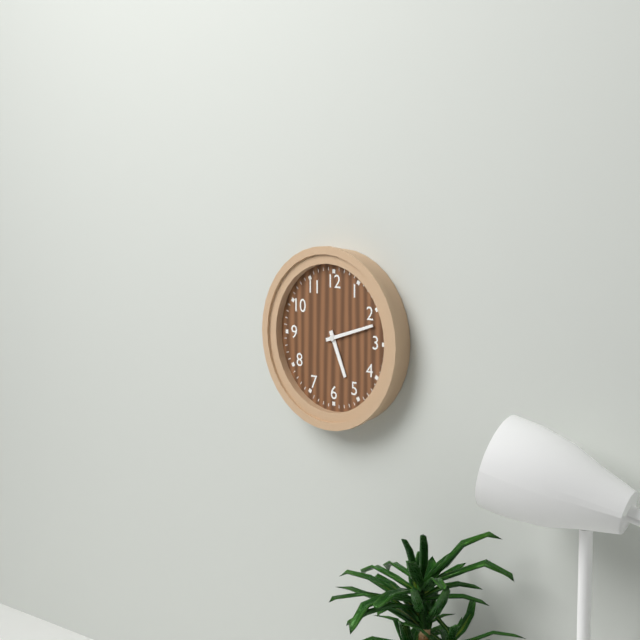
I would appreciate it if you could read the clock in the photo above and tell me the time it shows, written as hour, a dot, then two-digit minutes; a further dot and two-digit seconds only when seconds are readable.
5.12
